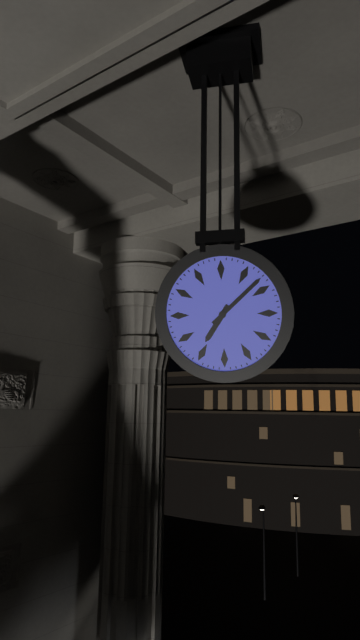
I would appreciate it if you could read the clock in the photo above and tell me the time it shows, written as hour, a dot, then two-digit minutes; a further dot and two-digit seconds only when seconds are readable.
7.08
